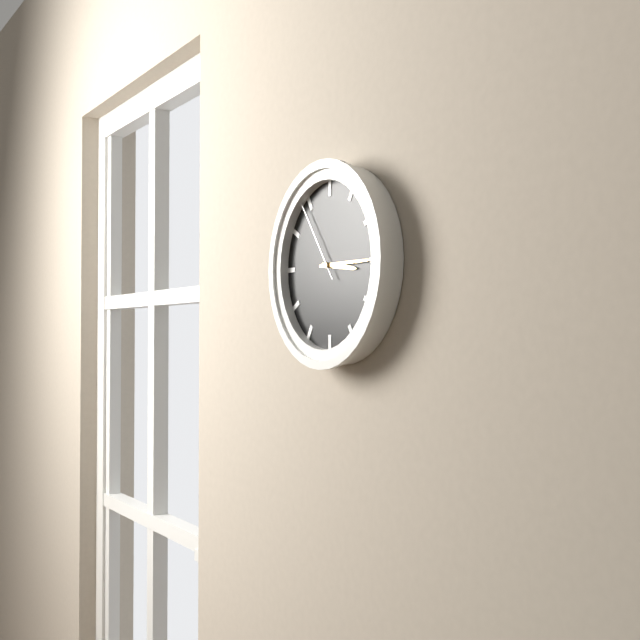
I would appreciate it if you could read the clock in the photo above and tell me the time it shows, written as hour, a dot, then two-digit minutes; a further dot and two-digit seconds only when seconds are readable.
3.15.54
